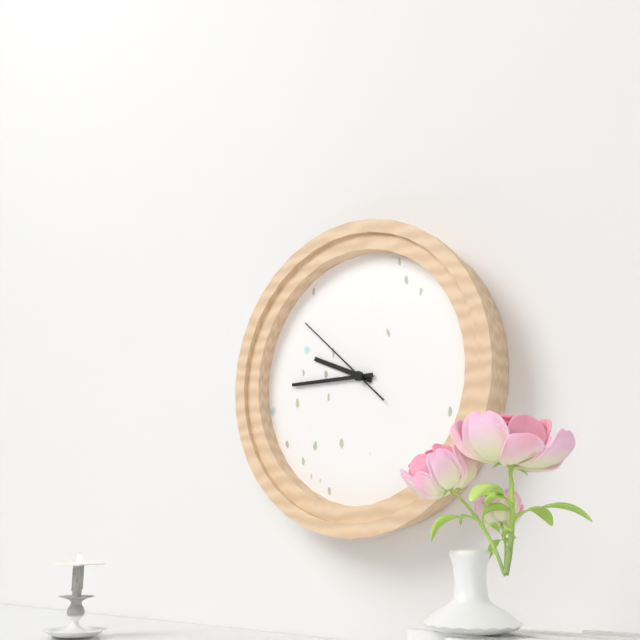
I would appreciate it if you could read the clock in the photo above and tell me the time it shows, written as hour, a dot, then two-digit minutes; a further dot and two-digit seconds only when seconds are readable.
9.45.52
